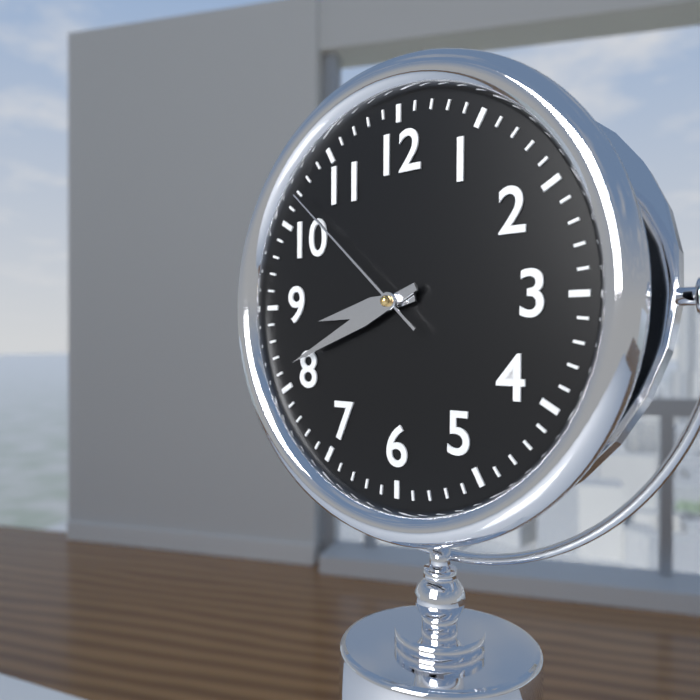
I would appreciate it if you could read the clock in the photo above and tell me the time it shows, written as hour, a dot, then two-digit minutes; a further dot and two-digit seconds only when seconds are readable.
8.41.52
